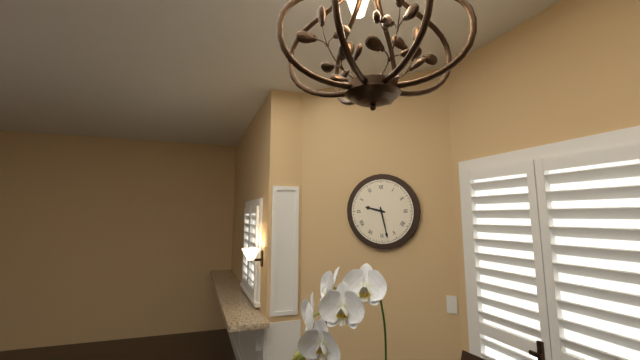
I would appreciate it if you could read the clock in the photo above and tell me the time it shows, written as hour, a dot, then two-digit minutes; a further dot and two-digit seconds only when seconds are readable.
9.28
